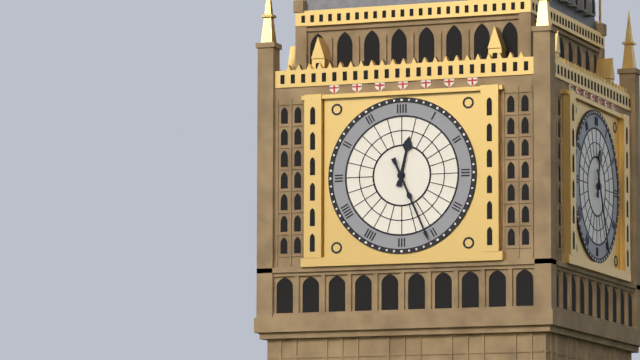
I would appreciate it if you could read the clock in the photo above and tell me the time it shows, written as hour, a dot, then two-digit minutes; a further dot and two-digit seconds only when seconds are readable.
12.26
